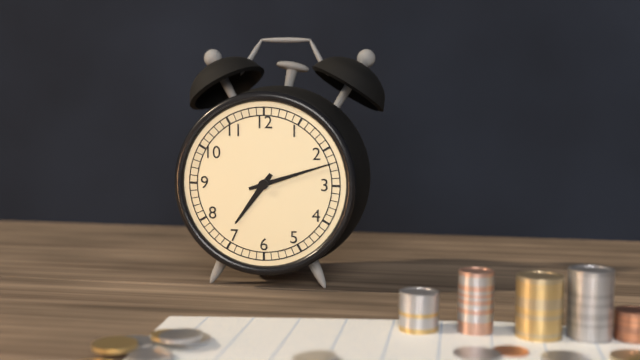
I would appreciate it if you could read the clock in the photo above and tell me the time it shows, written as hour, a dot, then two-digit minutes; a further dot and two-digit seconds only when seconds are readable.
7.12
